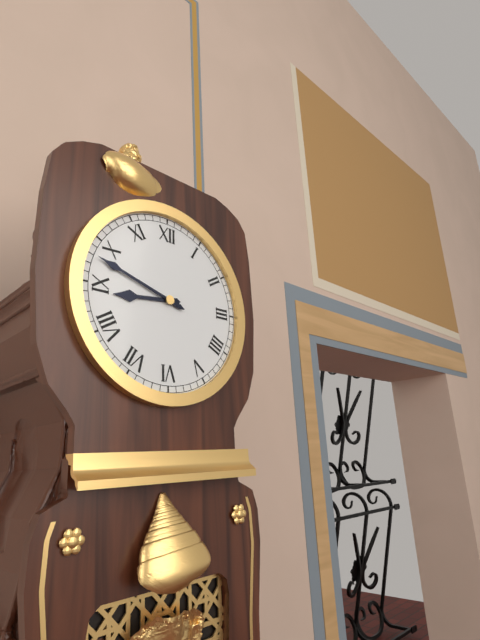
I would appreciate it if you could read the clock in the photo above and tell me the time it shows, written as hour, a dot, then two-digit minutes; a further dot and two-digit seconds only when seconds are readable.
8.48
